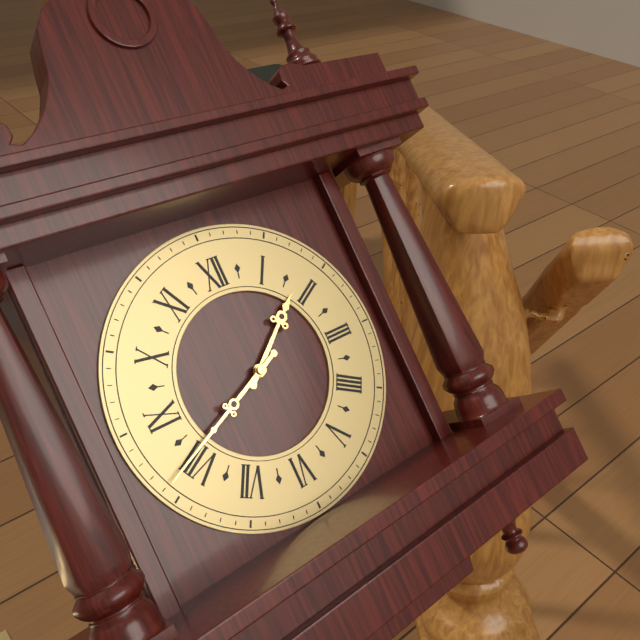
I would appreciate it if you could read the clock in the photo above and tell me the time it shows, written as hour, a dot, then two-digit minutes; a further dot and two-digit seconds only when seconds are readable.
1.41
